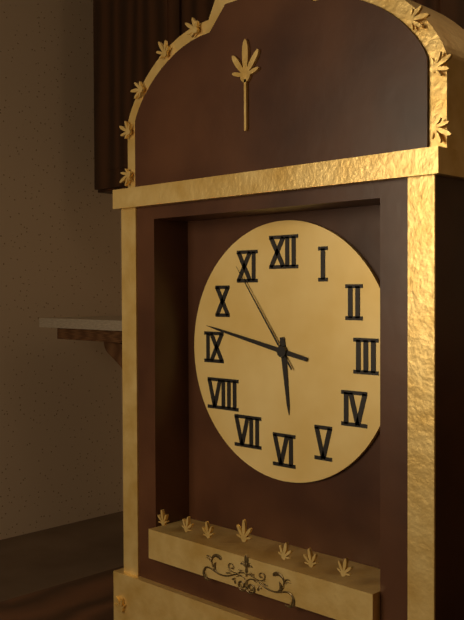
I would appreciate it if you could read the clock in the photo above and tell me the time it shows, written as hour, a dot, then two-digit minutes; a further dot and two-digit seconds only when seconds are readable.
5.47.54
